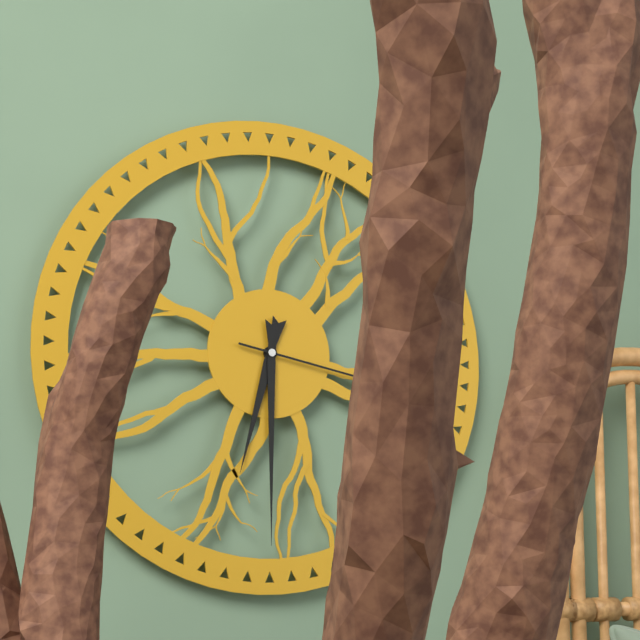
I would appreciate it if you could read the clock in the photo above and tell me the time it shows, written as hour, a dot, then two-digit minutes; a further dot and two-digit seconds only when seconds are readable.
6.30
